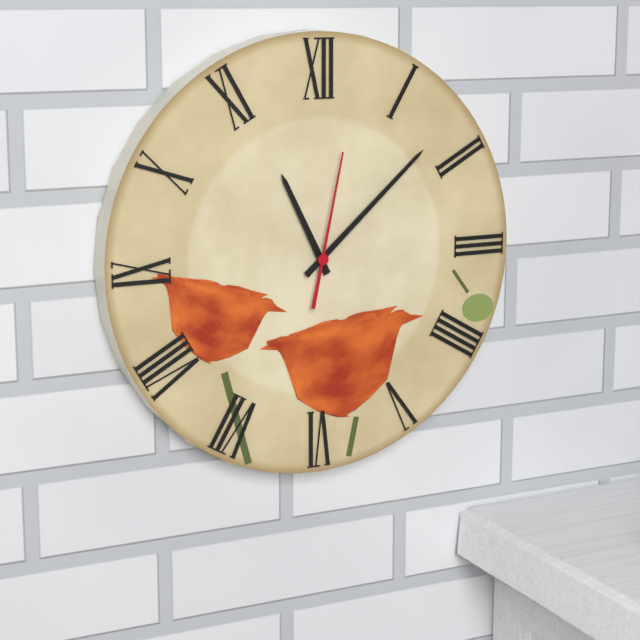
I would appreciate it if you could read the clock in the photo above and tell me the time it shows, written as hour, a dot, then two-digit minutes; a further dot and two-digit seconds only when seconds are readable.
11.08.02
